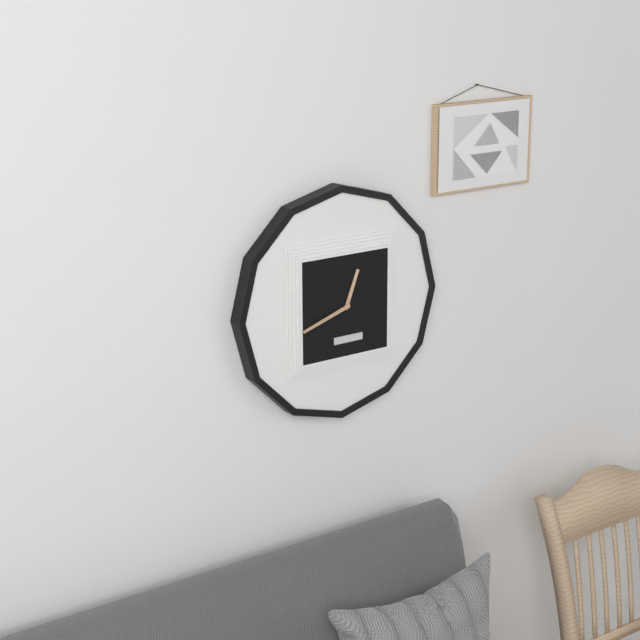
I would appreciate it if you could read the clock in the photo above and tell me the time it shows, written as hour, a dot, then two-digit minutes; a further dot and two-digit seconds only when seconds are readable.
12.42
